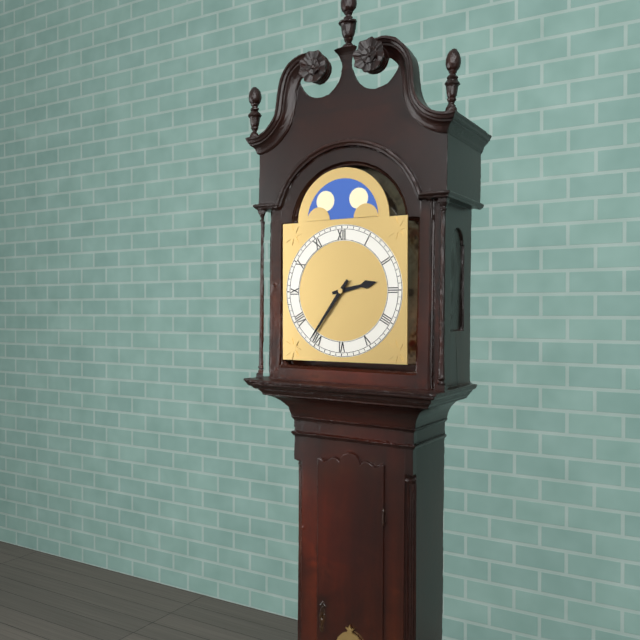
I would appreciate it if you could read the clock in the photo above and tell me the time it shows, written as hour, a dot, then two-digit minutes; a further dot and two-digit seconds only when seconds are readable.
2.36
